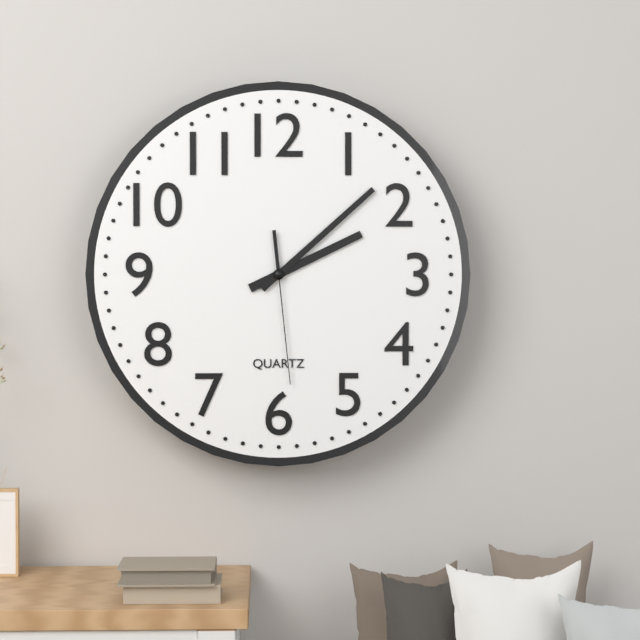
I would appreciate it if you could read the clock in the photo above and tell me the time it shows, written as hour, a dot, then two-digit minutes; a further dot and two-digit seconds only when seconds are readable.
2.08.29
